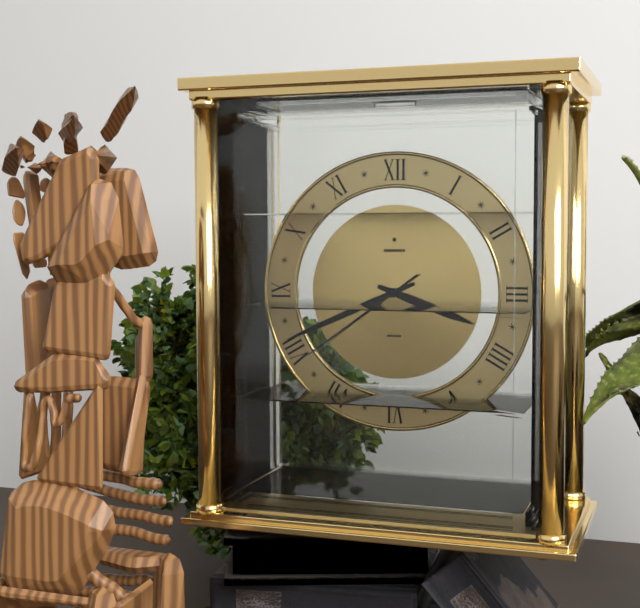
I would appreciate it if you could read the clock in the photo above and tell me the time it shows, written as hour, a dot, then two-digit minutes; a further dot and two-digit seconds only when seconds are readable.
3.41.39
